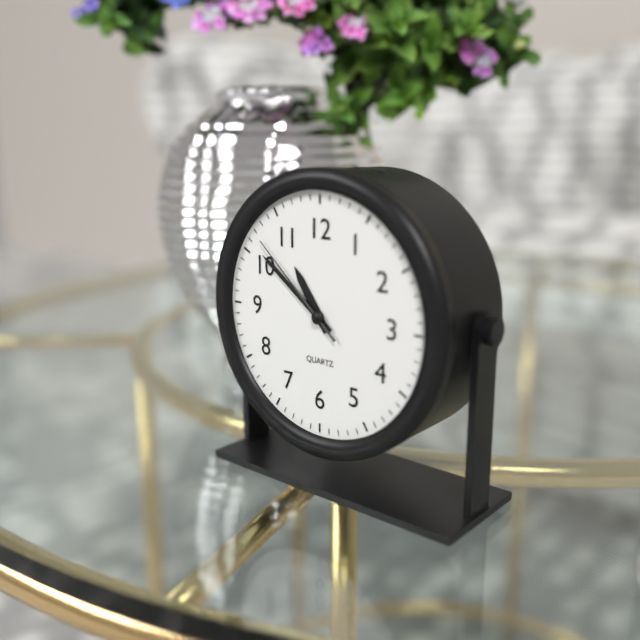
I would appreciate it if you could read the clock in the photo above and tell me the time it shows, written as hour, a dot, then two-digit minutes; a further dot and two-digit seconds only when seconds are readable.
10.51.52
